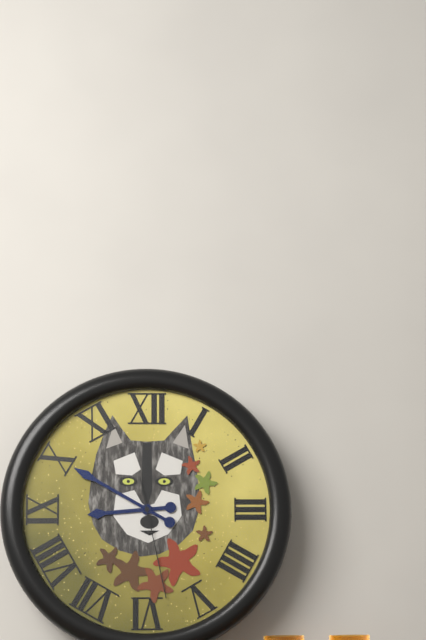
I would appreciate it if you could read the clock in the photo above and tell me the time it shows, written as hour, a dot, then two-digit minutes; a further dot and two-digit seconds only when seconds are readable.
8.50.28
